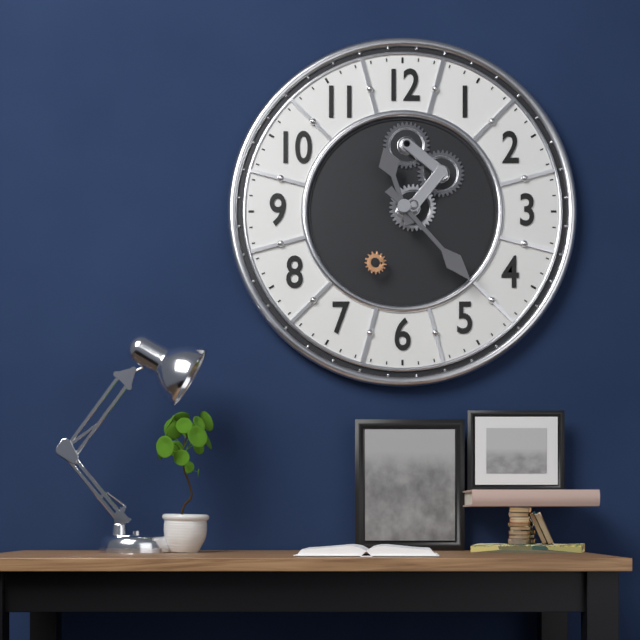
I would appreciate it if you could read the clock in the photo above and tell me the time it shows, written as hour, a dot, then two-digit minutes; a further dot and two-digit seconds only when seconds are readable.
11.23
